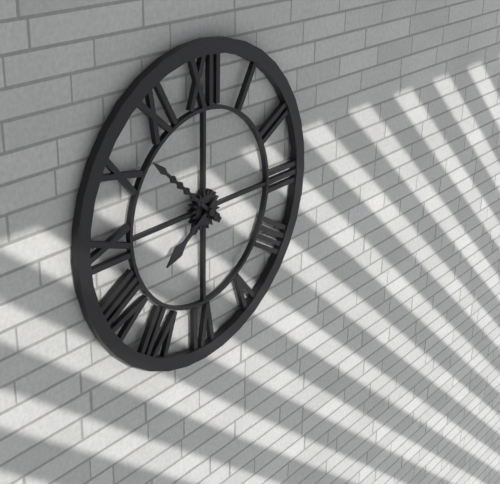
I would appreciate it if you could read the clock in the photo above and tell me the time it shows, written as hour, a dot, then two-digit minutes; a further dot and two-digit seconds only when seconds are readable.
7.52
